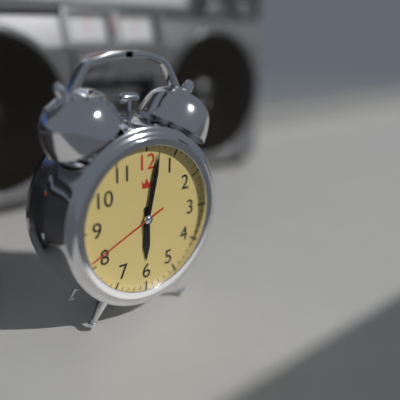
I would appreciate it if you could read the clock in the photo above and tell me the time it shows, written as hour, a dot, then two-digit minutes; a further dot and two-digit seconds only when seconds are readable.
6.02.41
